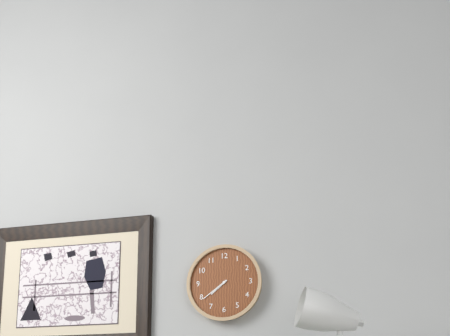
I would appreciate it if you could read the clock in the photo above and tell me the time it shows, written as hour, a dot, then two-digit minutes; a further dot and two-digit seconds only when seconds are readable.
7.39
